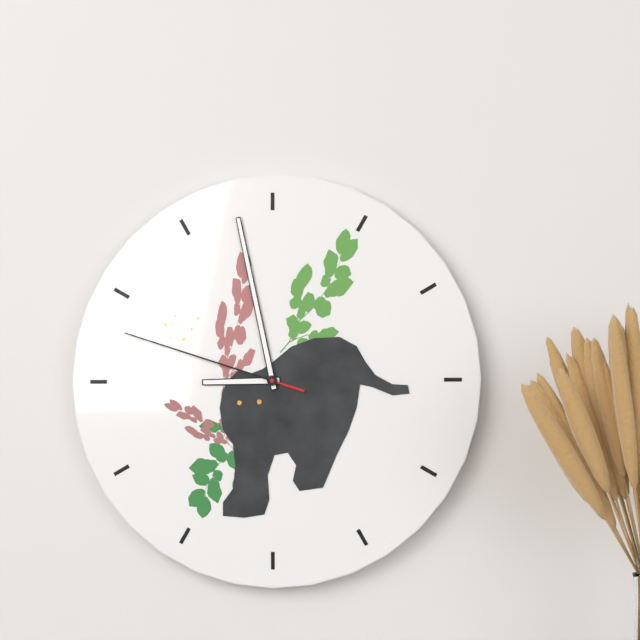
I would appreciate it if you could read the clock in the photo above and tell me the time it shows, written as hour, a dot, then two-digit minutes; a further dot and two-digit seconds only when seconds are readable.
8.58.48
